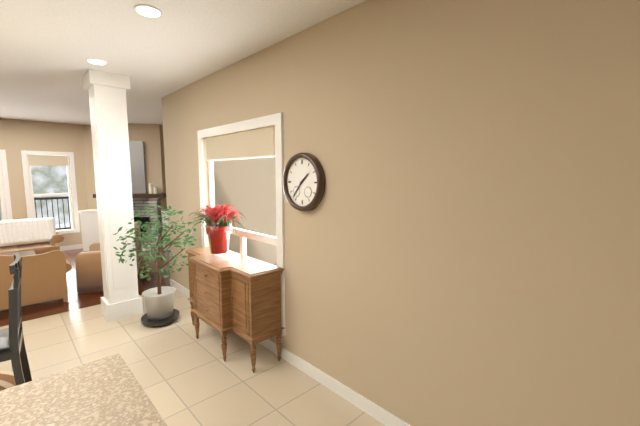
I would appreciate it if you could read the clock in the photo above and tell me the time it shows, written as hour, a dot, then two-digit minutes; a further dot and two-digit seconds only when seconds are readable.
1.37
